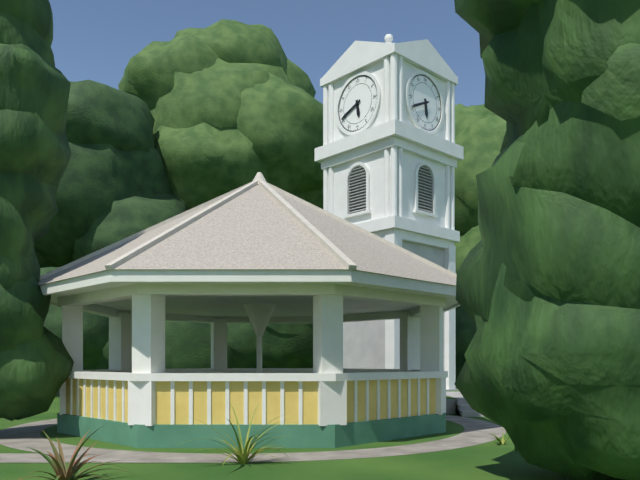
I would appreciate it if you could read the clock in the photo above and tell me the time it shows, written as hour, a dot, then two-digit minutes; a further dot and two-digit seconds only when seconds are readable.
5.41
